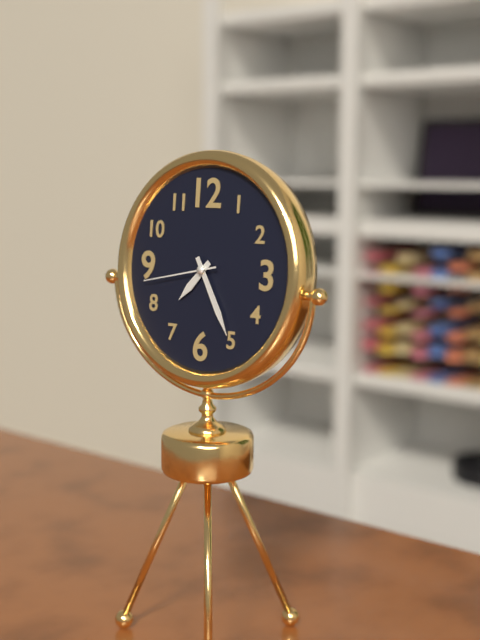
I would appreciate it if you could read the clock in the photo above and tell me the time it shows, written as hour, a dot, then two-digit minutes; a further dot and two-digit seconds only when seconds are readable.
7.25.43
